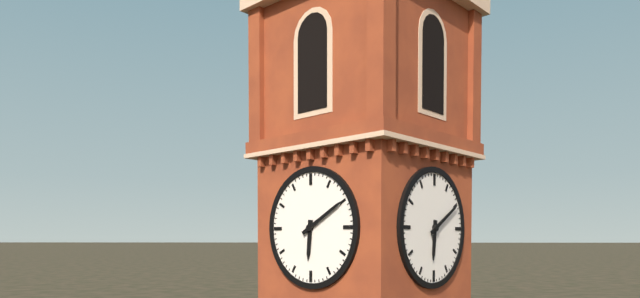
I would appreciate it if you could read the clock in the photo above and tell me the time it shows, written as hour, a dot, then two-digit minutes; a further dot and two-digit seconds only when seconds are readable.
6.10
